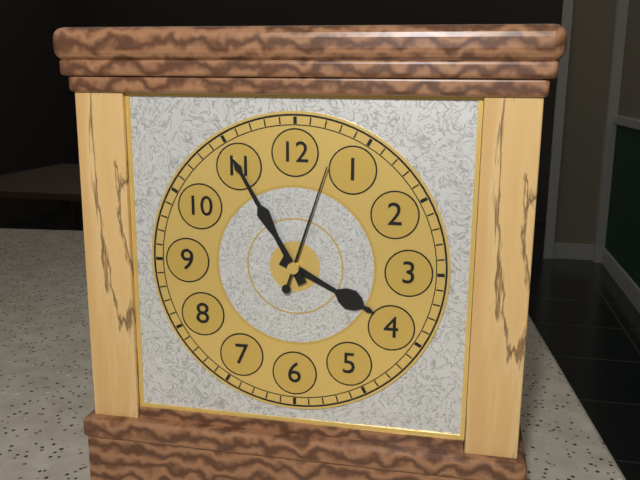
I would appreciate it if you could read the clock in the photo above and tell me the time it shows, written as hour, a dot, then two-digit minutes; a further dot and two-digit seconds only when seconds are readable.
3.55.03
